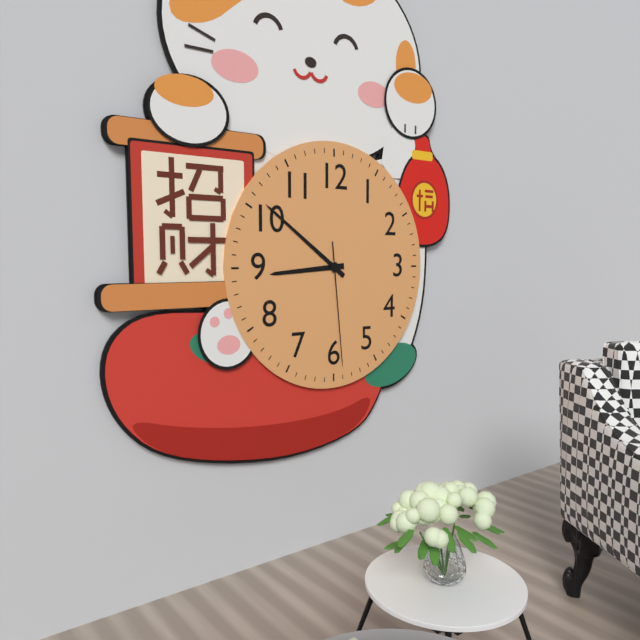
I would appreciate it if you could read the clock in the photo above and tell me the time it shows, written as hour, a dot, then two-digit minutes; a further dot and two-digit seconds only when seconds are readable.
8.51.29
